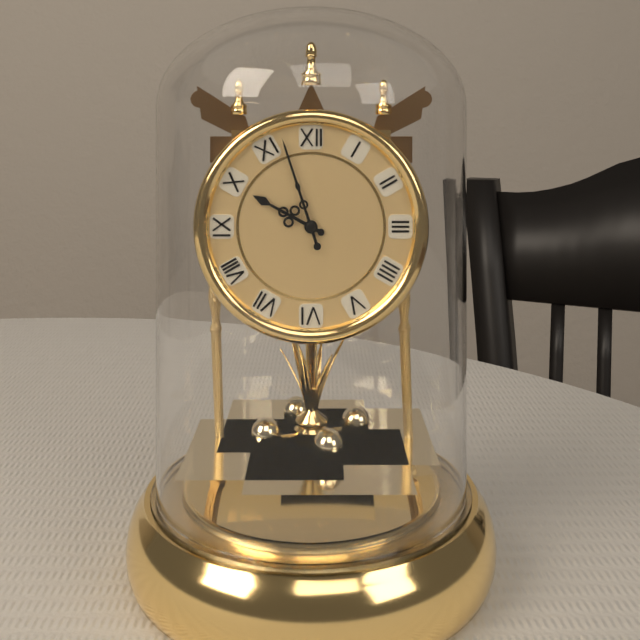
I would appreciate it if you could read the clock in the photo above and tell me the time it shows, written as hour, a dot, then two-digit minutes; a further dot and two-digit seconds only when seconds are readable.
9.57
